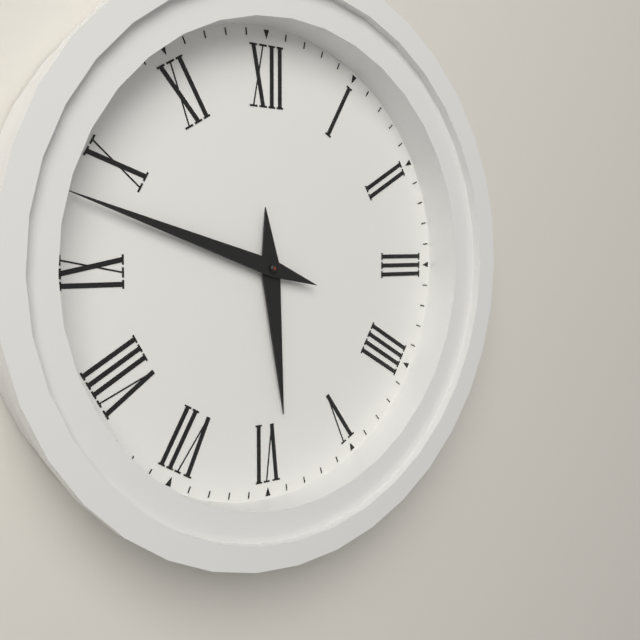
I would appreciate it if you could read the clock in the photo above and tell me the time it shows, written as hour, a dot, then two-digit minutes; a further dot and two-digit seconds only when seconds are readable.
5.48
